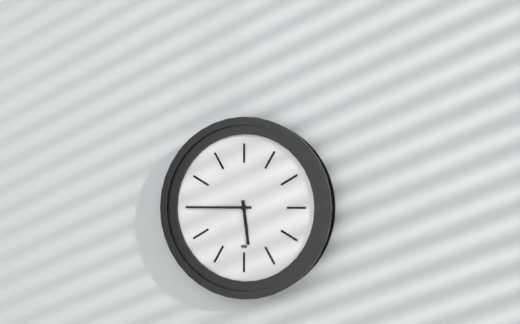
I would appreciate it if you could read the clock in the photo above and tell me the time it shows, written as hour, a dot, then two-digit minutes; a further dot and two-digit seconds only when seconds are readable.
5.45
